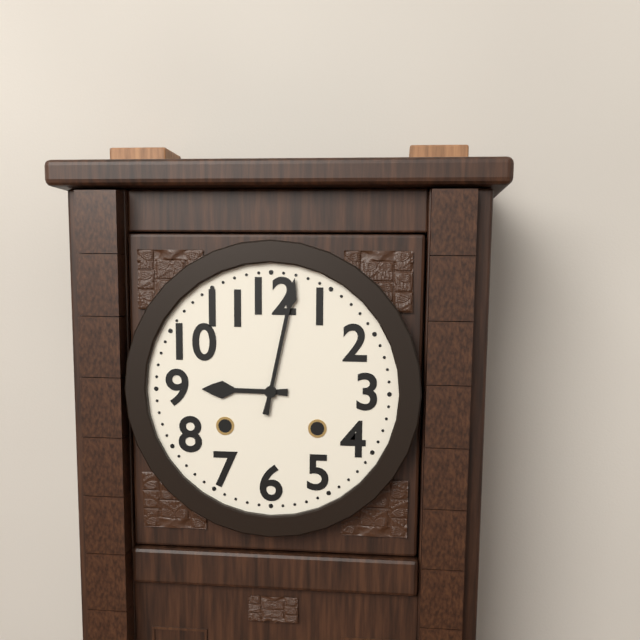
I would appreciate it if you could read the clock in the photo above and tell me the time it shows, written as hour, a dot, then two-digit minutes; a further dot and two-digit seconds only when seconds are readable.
9.02
